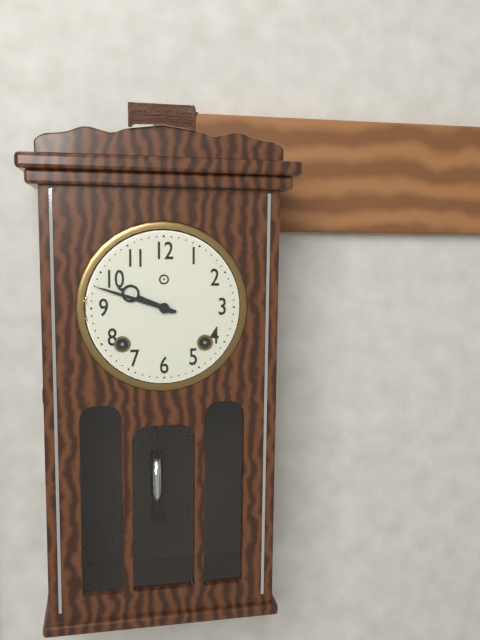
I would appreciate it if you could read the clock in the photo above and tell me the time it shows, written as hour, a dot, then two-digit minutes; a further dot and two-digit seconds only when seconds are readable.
9.48
